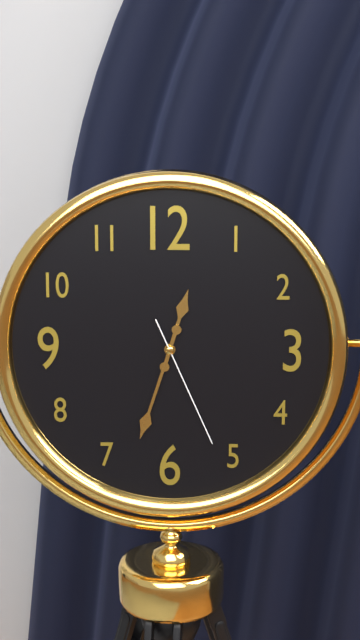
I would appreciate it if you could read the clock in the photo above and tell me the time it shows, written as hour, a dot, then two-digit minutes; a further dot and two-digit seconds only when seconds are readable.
12.33.26
